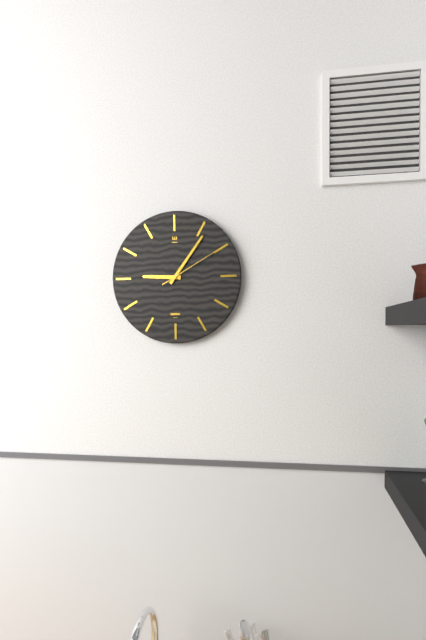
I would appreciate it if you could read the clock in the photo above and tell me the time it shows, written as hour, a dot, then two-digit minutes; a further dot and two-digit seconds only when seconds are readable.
9.06.10
